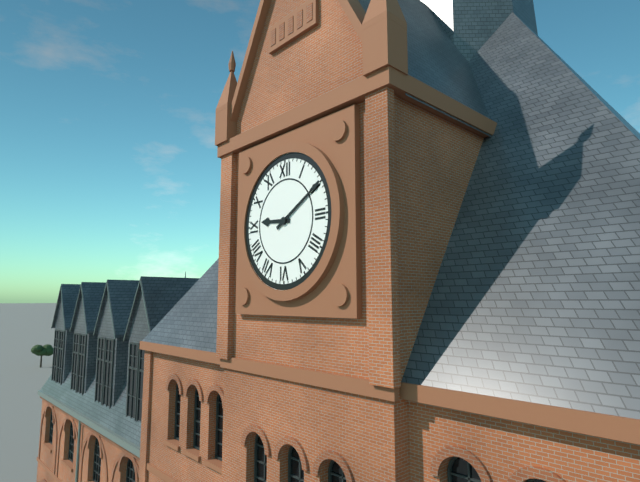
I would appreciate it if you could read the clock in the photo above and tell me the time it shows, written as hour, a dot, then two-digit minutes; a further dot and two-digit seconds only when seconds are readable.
9.10
